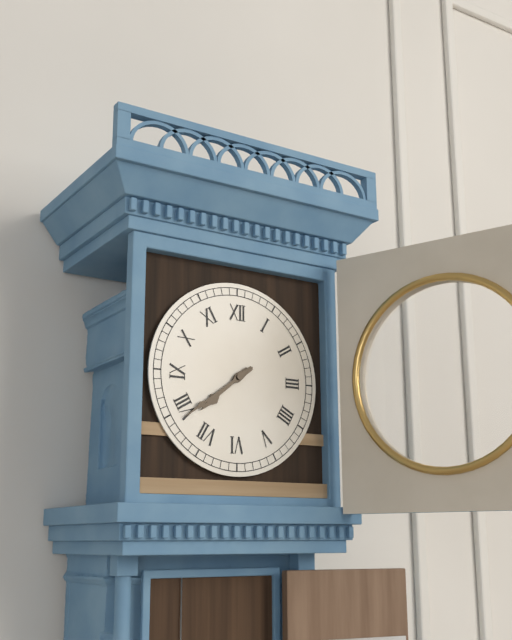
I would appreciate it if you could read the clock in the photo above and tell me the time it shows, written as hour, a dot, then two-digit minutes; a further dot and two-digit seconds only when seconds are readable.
7.39
